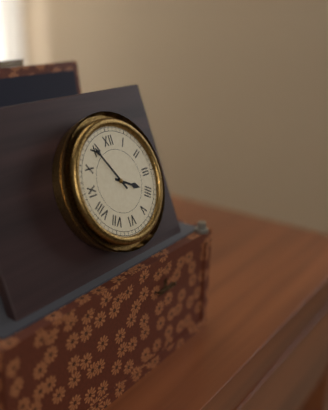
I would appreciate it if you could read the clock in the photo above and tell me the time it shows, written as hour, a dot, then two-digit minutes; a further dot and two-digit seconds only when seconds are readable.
3.55
